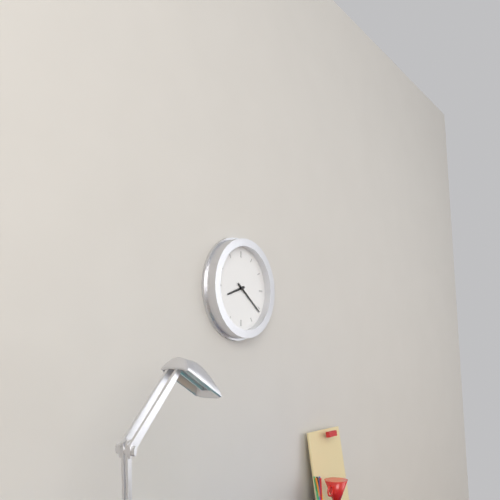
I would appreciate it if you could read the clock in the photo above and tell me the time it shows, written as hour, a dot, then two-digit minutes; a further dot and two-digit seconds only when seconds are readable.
8.21
